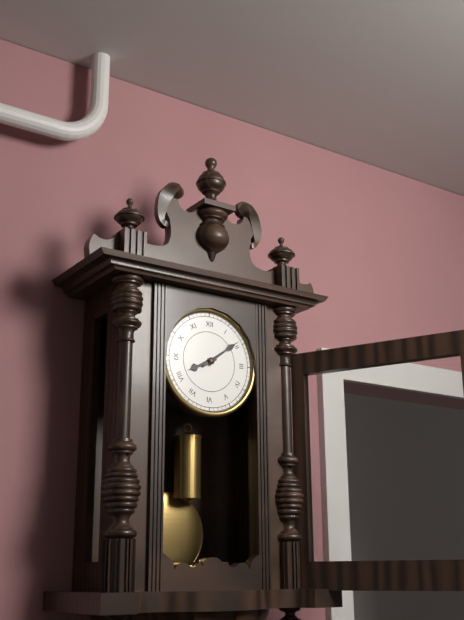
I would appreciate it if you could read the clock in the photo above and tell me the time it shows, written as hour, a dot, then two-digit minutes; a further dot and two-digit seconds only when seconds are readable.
8.09
